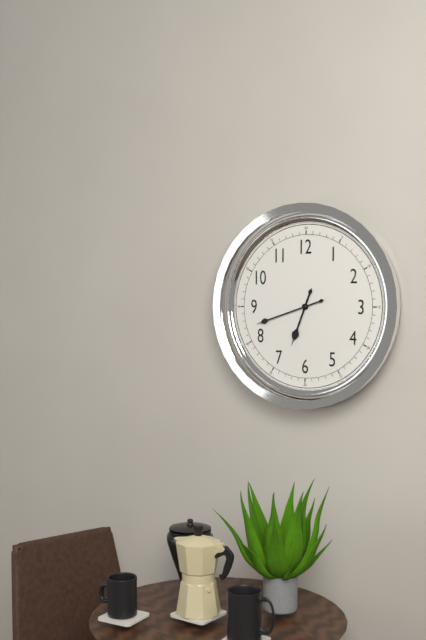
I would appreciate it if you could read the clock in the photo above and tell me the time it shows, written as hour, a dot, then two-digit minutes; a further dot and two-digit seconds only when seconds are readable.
6.42
